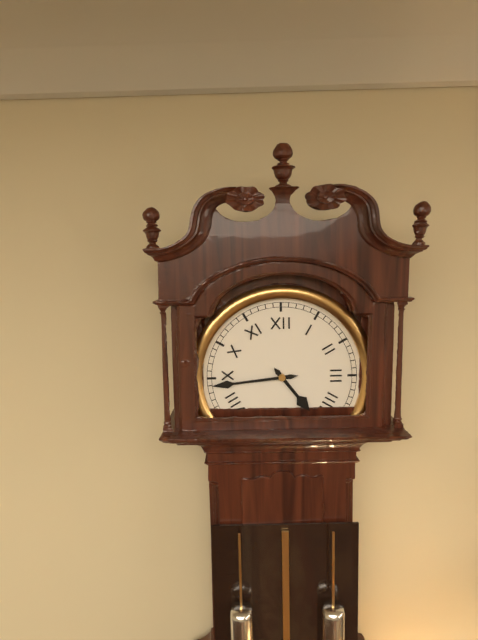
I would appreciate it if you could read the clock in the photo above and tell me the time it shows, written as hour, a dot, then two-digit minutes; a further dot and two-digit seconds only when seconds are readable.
4.44
